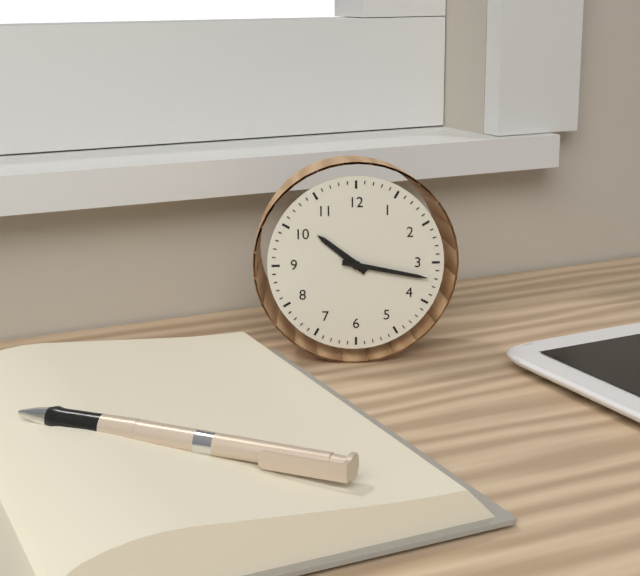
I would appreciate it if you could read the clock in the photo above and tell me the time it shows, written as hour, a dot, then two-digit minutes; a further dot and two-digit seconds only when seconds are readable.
10.17
